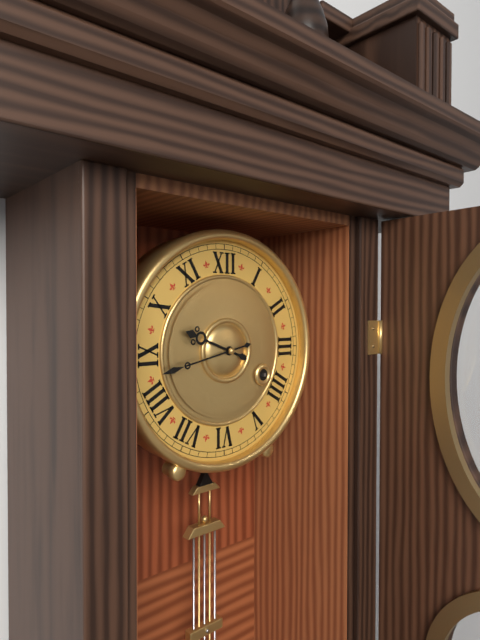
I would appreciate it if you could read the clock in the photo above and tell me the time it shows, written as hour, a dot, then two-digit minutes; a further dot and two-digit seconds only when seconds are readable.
9.43
